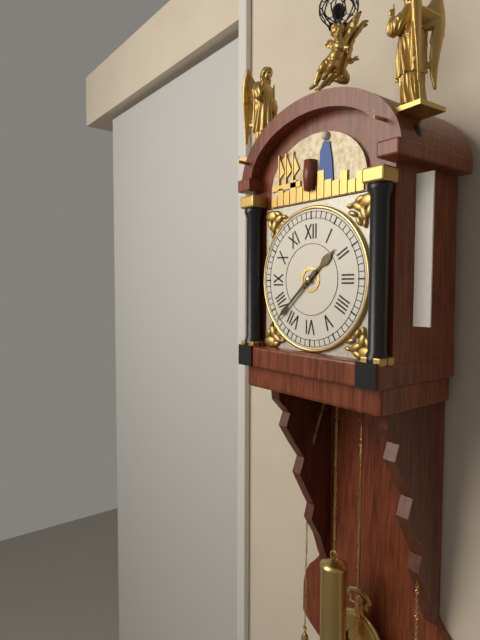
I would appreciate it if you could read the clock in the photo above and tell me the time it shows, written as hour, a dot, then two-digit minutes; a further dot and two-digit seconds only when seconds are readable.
1.38
